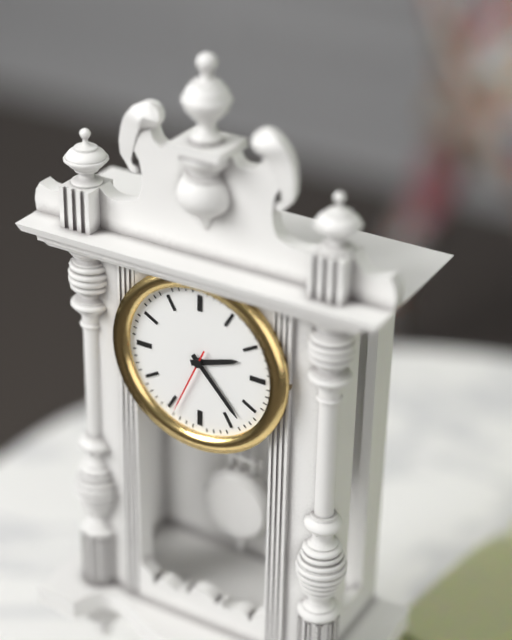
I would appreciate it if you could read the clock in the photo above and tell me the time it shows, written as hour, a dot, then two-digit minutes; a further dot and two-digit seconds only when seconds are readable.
2.23.34
